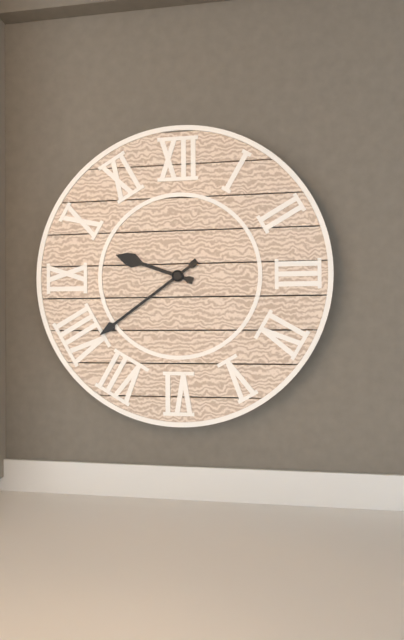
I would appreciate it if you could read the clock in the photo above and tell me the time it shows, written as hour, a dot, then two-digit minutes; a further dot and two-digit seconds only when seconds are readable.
9.39
